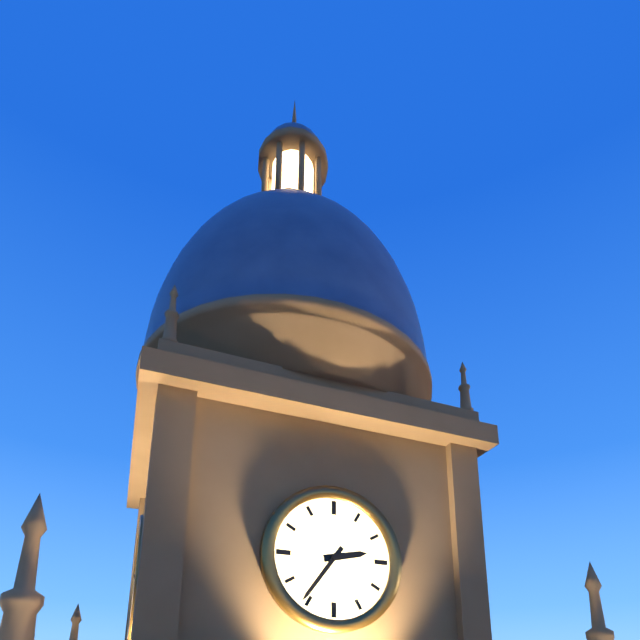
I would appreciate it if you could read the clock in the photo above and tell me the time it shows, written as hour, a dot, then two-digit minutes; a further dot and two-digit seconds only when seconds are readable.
2.36
